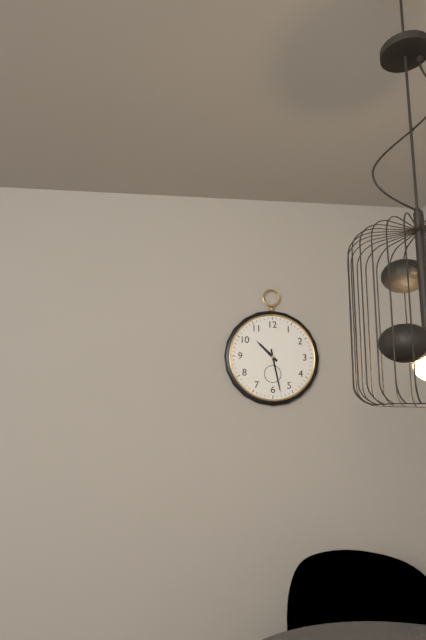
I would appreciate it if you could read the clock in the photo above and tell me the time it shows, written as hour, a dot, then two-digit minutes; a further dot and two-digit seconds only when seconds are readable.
10.28
